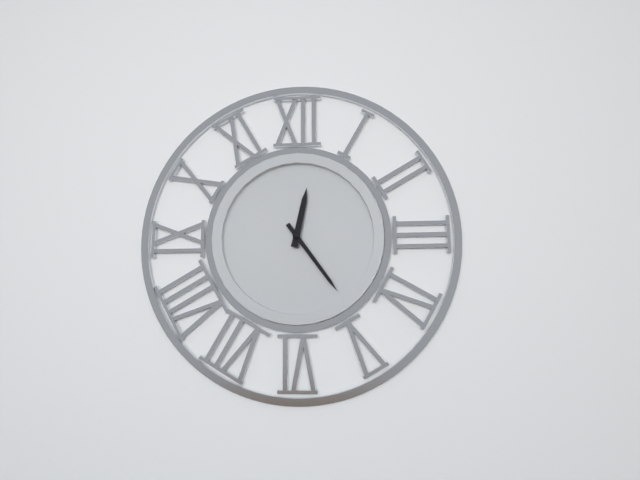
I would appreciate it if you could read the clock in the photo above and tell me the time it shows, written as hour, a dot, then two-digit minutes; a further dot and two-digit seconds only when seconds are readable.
12.24
